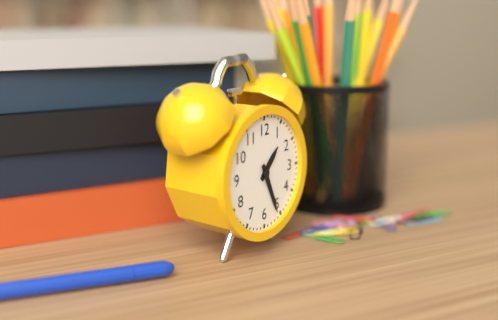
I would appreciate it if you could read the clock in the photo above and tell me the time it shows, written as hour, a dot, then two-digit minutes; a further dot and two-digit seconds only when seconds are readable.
1.26
